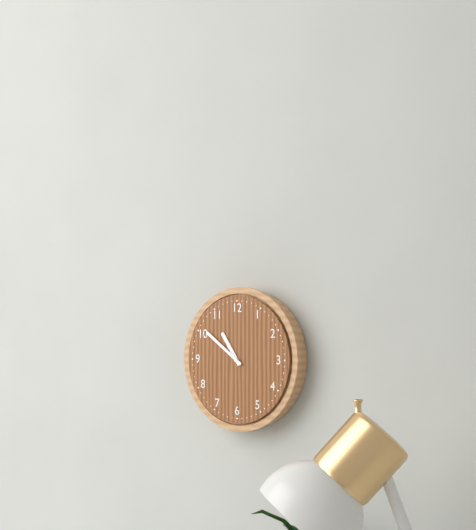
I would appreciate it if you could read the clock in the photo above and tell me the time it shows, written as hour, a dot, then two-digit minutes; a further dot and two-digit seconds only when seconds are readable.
10.51
